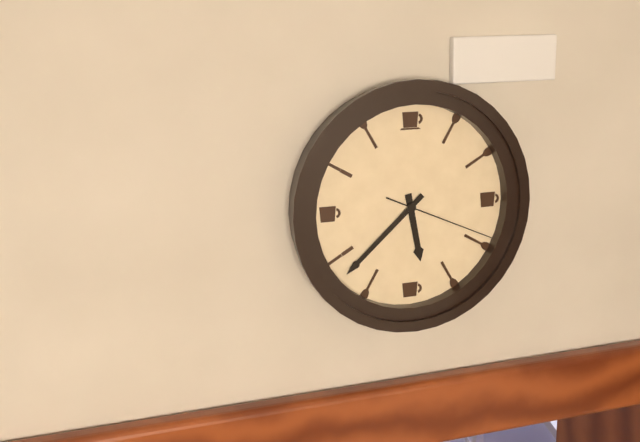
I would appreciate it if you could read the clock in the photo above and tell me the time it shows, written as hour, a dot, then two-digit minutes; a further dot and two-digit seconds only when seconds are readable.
5.38.19
